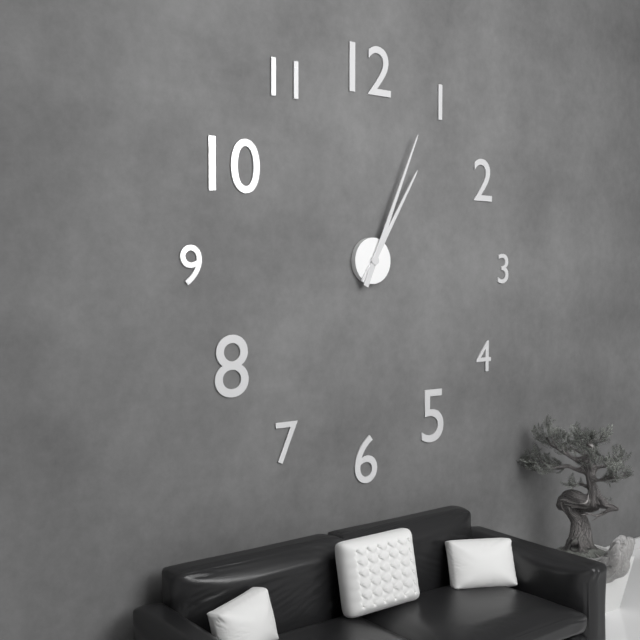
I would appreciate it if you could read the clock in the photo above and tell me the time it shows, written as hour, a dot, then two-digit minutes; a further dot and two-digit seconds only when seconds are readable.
1.04
